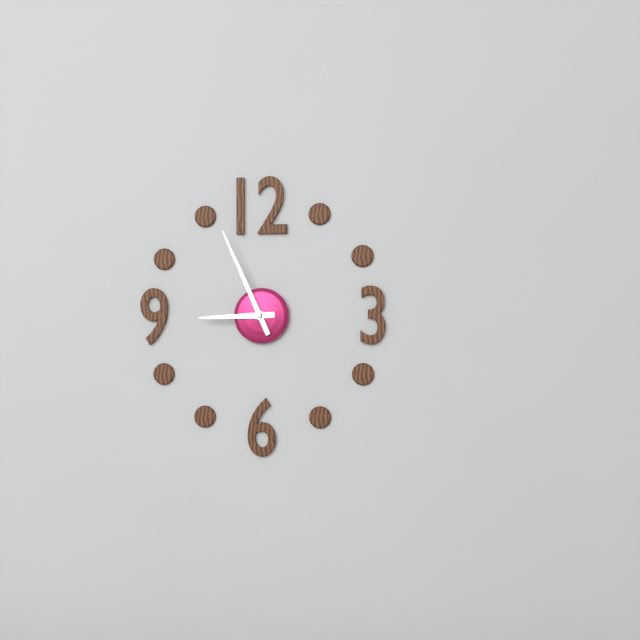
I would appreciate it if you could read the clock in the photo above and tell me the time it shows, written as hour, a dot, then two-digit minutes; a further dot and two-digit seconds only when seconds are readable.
8.56
